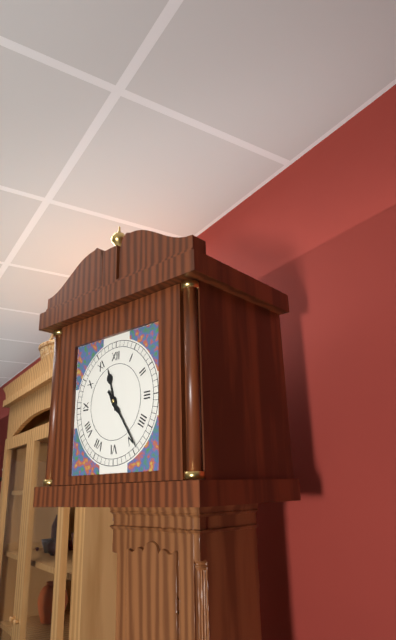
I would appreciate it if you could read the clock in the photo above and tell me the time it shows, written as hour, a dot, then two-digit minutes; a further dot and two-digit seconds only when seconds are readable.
11.24
